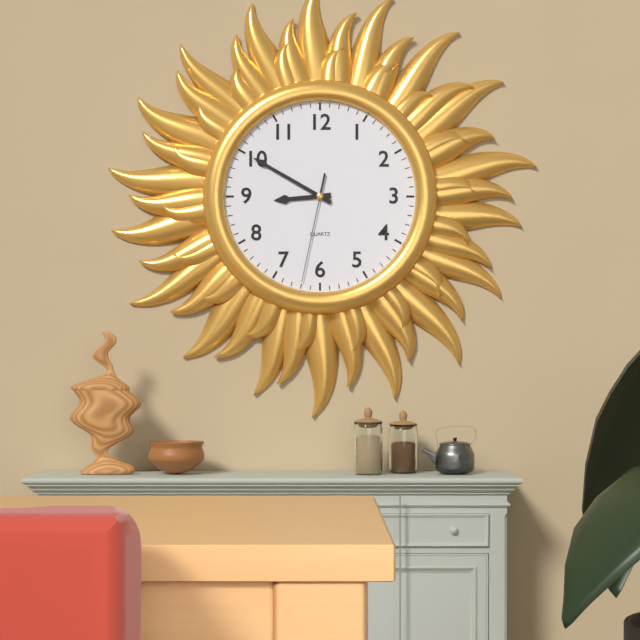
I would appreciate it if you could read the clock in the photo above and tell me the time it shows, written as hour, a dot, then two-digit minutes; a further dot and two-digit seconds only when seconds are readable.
8.50.32
